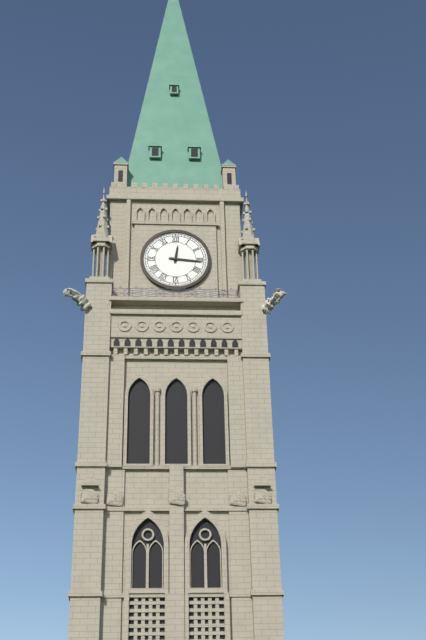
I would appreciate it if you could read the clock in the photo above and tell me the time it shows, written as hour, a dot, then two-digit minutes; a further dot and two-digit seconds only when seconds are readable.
12.16
